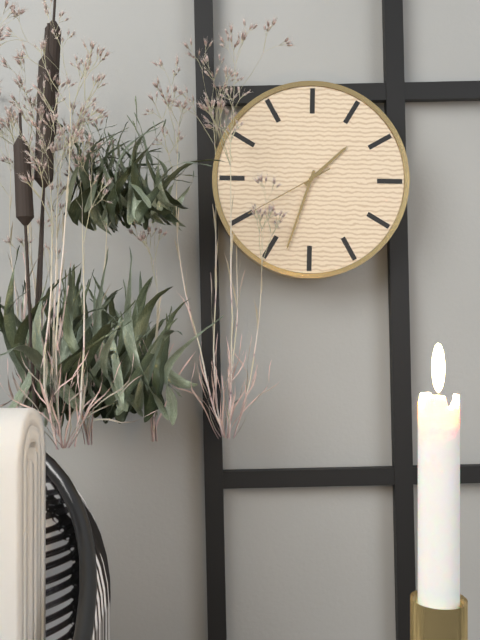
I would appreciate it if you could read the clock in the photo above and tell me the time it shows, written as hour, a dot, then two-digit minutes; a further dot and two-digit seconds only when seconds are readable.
1.33.40
